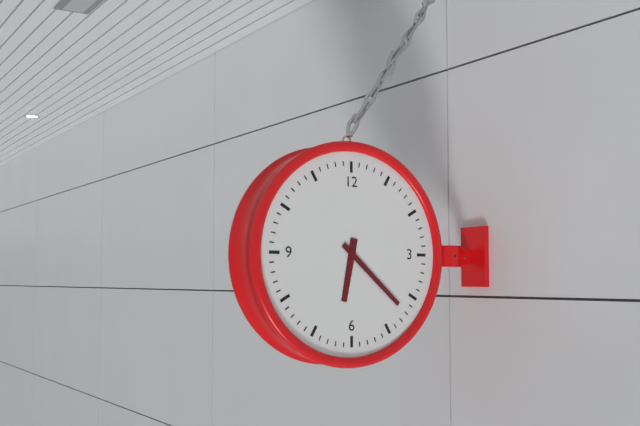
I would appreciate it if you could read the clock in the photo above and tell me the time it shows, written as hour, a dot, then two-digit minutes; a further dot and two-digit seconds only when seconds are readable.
6.22
